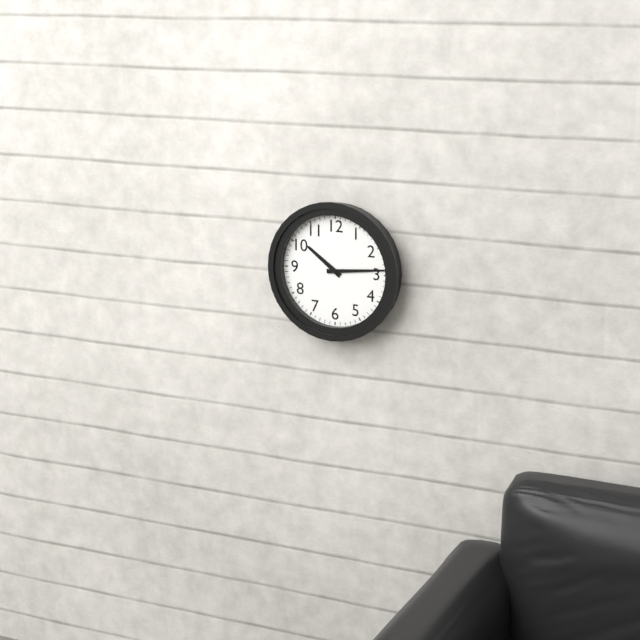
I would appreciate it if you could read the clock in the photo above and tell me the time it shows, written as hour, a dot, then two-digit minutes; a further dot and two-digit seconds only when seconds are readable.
10.14
